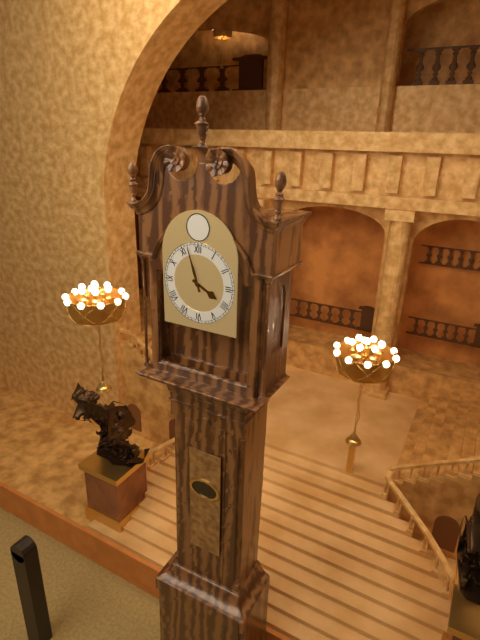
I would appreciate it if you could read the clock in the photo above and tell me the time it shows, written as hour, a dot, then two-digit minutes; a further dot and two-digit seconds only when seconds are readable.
3.57
